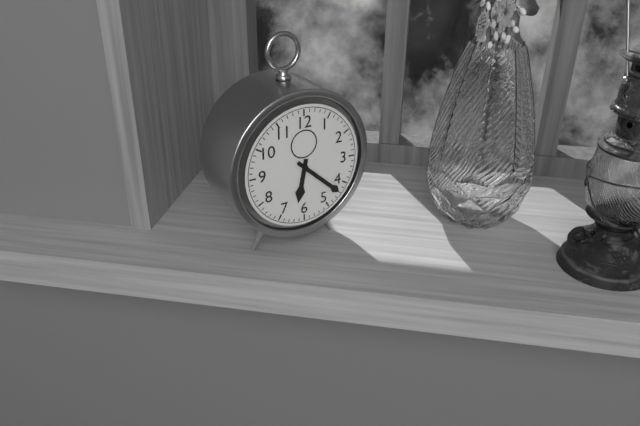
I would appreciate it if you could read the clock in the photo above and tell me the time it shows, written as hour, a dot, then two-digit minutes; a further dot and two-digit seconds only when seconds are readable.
6.22
